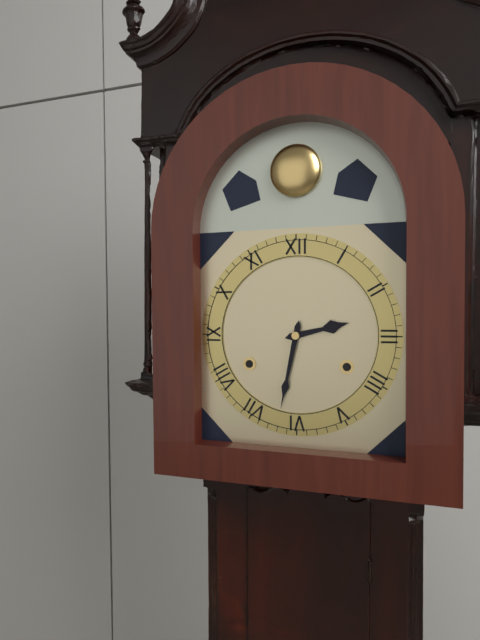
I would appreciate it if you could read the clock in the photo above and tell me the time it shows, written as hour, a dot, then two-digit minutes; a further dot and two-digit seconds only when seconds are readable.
2.32
